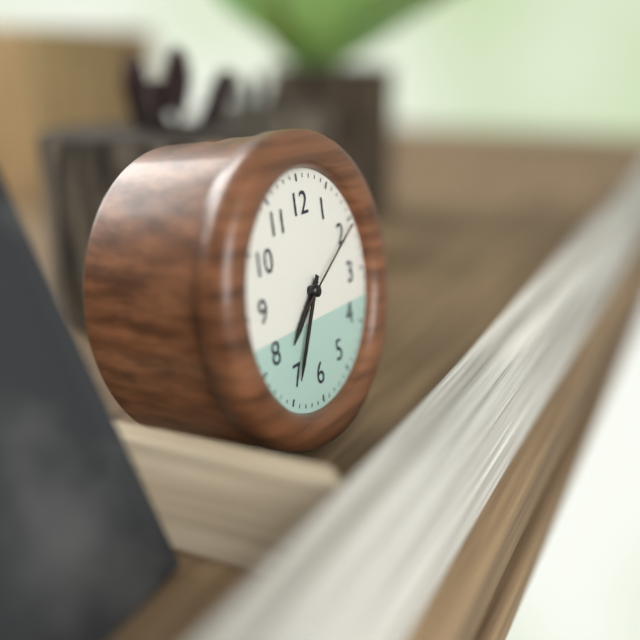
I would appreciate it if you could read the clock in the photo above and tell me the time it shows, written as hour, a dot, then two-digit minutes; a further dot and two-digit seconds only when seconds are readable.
7.35.10
